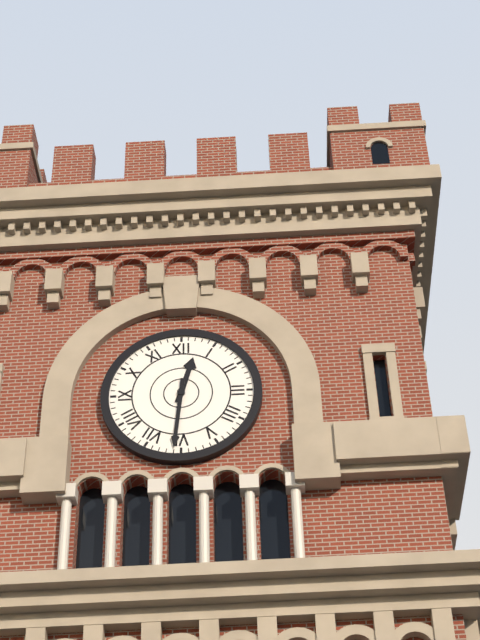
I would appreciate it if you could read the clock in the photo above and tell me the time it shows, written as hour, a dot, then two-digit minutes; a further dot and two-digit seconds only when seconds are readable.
12.31
